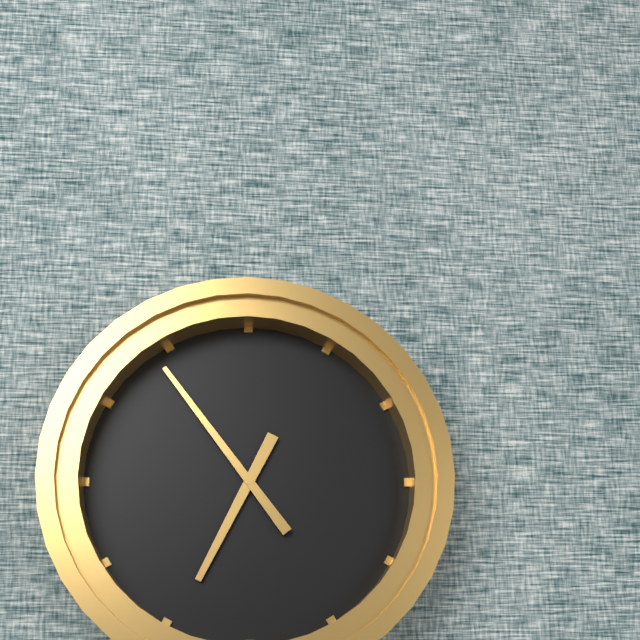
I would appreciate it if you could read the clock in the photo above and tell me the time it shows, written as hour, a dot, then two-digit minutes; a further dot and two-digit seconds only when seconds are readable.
6.54
